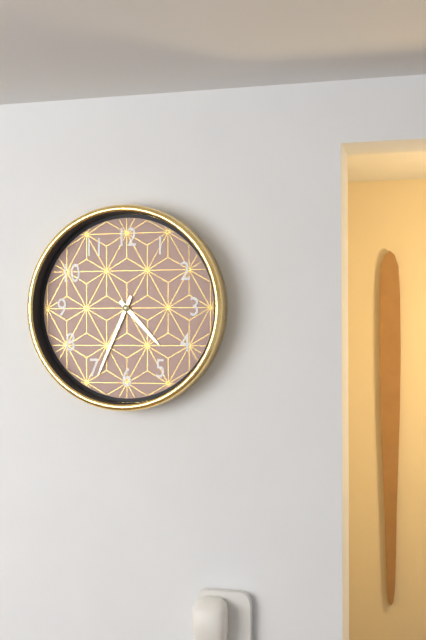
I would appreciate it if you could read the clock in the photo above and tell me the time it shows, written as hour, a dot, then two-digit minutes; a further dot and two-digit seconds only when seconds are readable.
4.34
